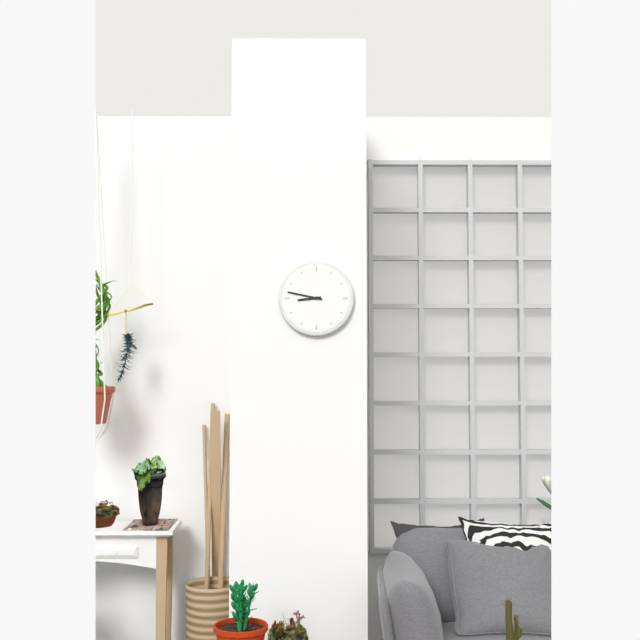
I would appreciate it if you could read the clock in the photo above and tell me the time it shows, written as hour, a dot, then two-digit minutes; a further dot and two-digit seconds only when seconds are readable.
8.47
